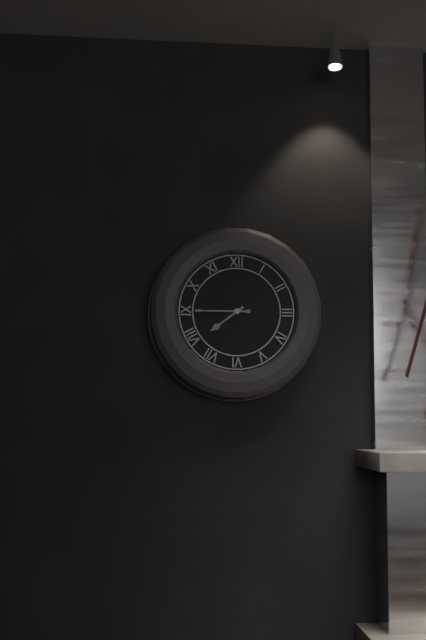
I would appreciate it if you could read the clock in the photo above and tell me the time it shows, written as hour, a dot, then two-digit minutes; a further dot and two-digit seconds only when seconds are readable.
7.45
